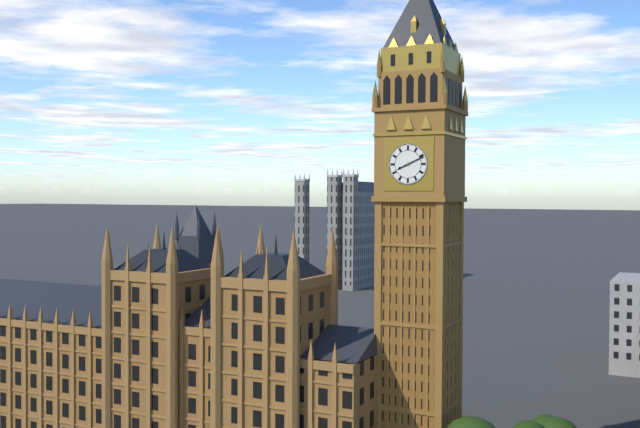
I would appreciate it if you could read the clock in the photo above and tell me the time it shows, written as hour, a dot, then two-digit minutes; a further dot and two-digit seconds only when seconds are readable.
8.11
